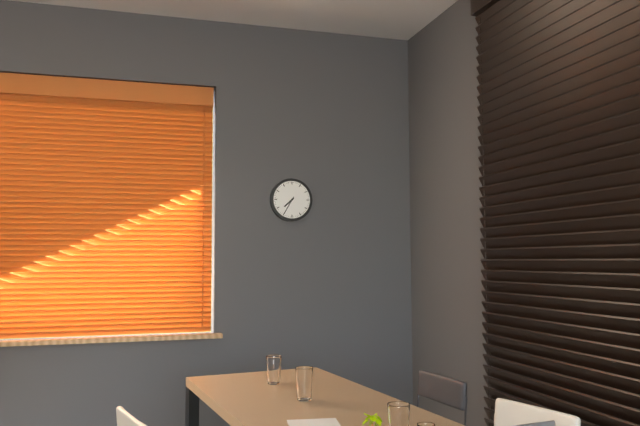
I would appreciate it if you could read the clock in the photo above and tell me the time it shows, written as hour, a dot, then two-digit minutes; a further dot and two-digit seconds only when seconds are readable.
7.35
